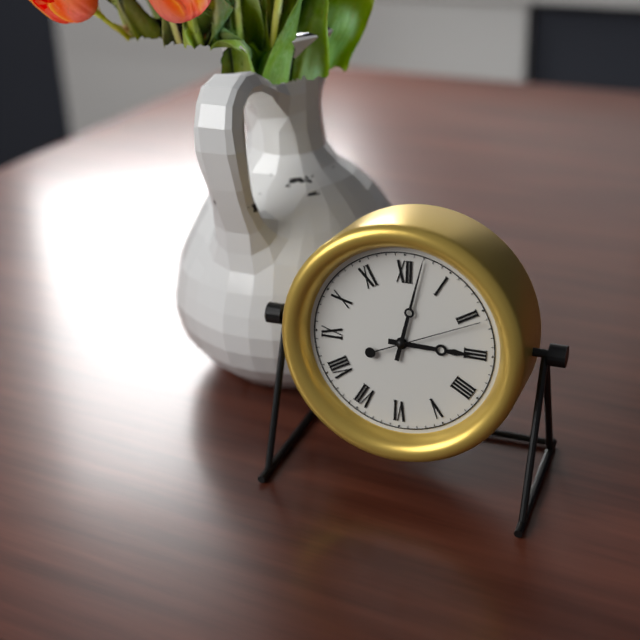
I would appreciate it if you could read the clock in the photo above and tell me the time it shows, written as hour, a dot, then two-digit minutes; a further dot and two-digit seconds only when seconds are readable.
3.02.11
